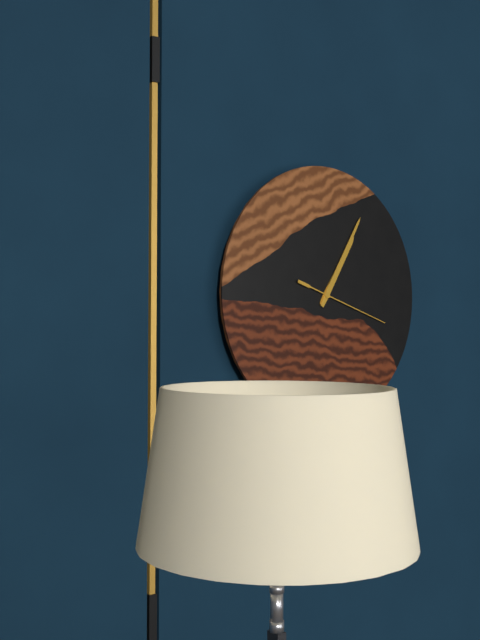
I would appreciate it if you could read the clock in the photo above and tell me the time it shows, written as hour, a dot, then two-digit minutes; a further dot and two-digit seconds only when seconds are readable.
1.05.18
